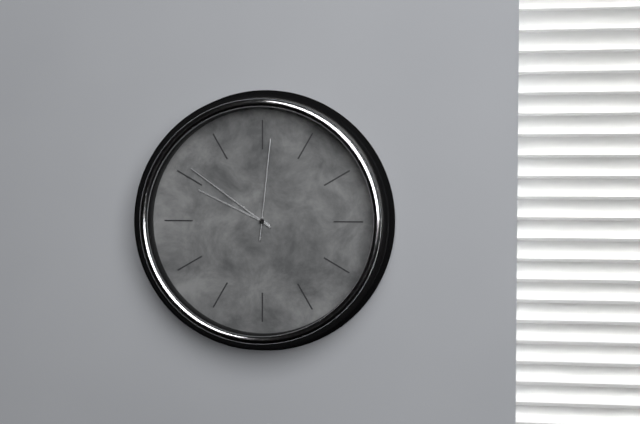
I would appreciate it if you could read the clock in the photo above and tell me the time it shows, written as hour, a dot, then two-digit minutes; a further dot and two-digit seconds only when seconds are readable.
9.51.01
